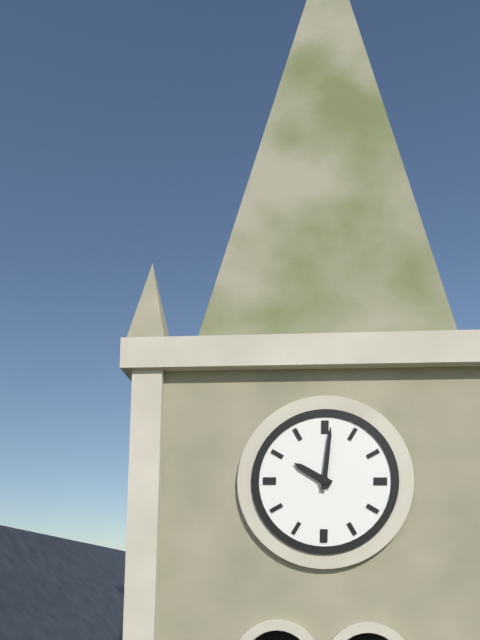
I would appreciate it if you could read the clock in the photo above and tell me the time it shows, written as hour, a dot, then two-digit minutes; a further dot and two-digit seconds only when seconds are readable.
10.01
